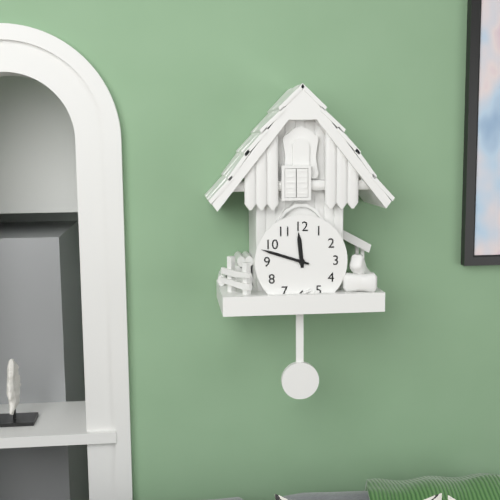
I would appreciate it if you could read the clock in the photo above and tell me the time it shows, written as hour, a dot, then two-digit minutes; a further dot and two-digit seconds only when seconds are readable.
11.48
